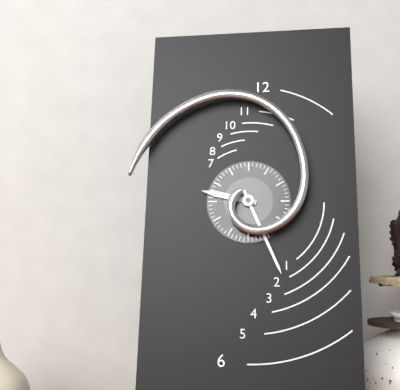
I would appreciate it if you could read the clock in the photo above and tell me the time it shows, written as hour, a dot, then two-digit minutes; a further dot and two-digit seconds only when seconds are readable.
9.26
